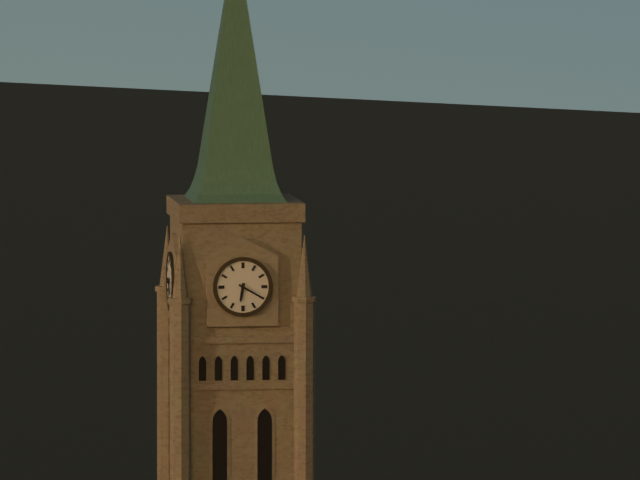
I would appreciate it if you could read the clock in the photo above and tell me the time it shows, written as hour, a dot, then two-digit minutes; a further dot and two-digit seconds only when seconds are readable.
6.20
